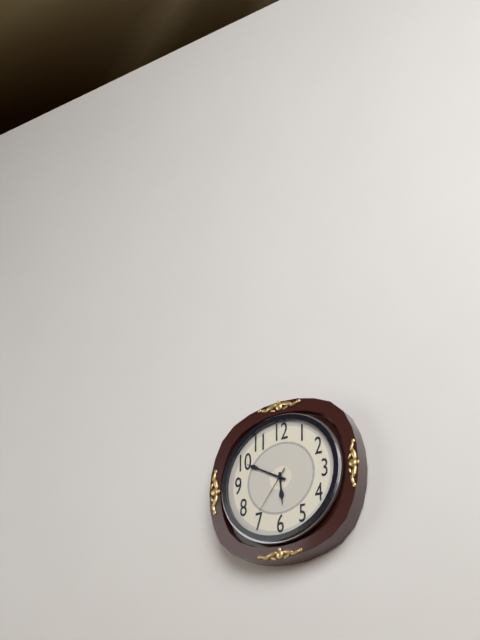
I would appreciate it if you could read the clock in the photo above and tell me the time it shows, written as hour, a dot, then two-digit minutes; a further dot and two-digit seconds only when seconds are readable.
5.50.36
